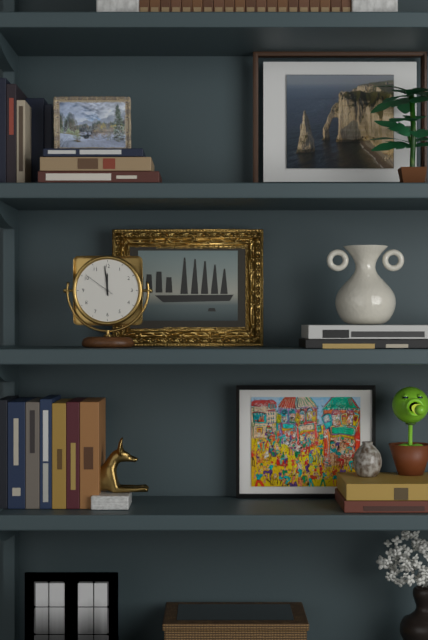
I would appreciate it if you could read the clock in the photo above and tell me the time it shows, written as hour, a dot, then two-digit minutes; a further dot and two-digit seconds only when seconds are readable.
11.59
